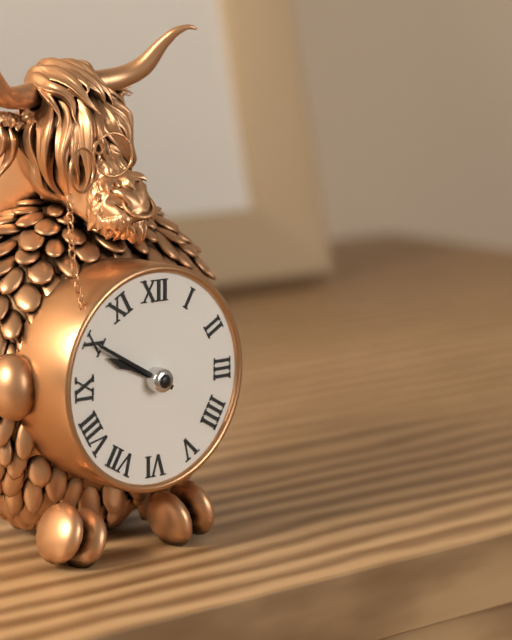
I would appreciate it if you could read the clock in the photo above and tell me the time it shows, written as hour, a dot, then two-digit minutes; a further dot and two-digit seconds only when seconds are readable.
9.50
